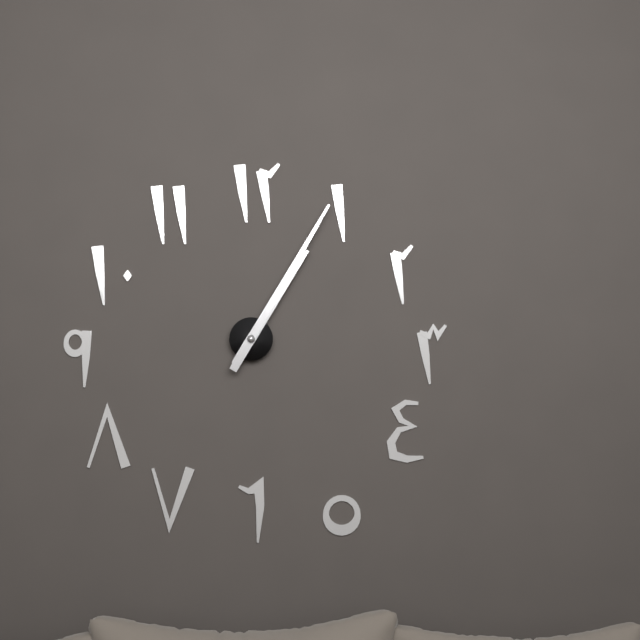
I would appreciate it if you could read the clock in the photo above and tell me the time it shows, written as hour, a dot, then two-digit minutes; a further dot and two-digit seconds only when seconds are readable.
1.05
